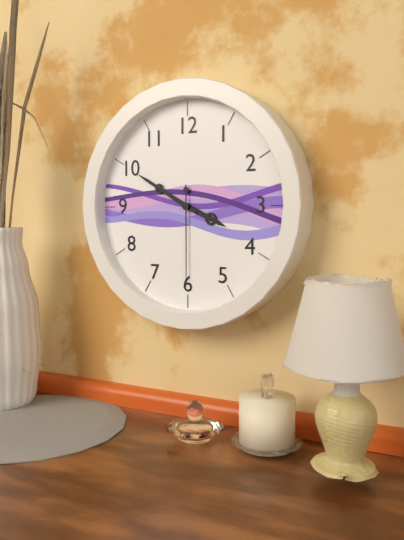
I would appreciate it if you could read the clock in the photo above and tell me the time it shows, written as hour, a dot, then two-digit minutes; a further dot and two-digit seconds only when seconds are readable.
3.50.30
